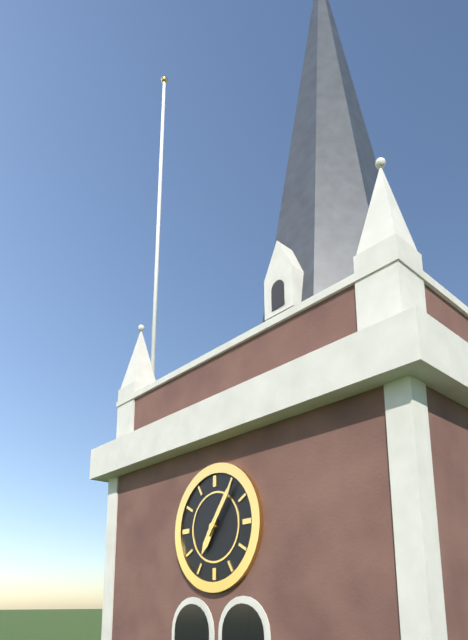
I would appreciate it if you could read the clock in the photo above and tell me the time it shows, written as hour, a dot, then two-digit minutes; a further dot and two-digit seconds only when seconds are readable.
7.06
